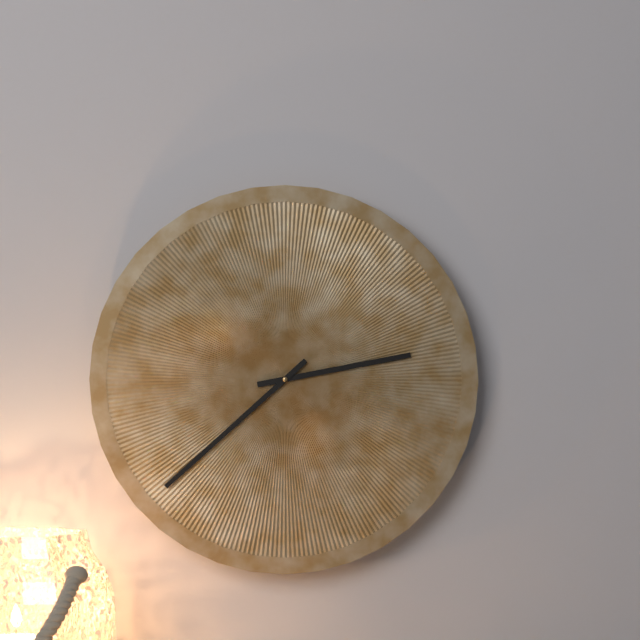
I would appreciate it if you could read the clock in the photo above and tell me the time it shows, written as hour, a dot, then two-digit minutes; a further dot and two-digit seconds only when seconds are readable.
2.38
